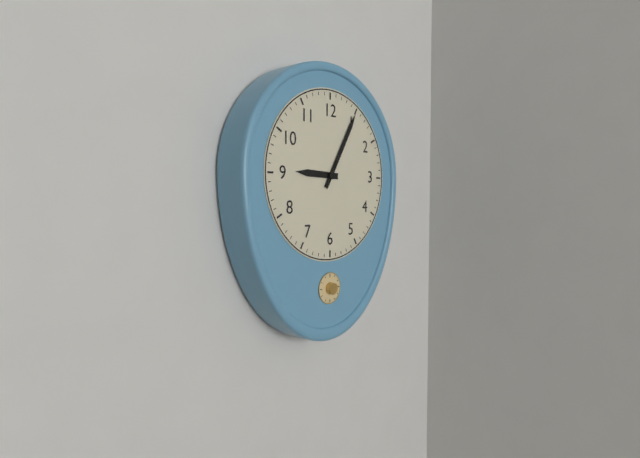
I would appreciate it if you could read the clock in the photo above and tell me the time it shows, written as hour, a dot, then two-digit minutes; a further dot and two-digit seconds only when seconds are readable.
9.05
